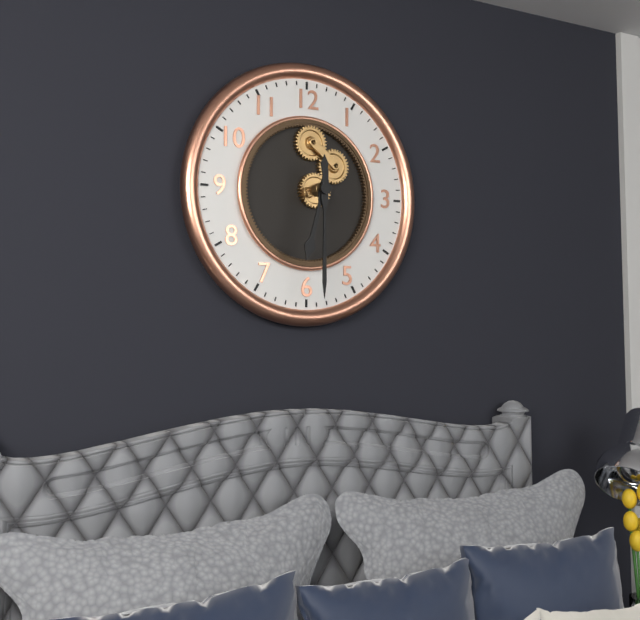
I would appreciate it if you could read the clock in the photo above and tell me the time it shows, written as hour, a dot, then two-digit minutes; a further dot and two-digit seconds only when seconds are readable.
6.30
